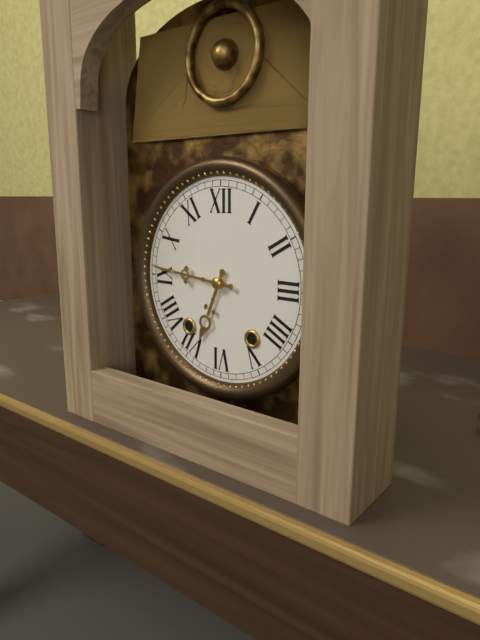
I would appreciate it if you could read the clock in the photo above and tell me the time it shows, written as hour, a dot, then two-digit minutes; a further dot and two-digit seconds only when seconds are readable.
6.46
